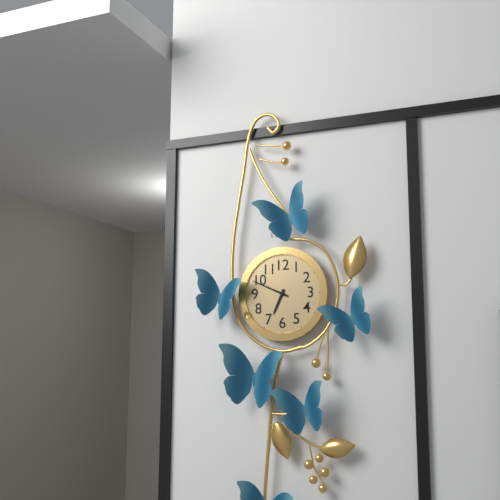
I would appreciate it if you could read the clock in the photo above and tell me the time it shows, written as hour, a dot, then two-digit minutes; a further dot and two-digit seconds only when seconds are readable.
6.49
